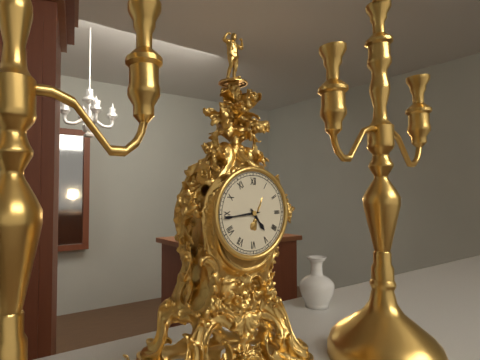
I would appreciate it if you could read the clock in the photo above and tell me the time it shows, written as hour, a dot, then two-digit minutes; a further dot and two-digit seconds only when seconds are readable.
4.44
